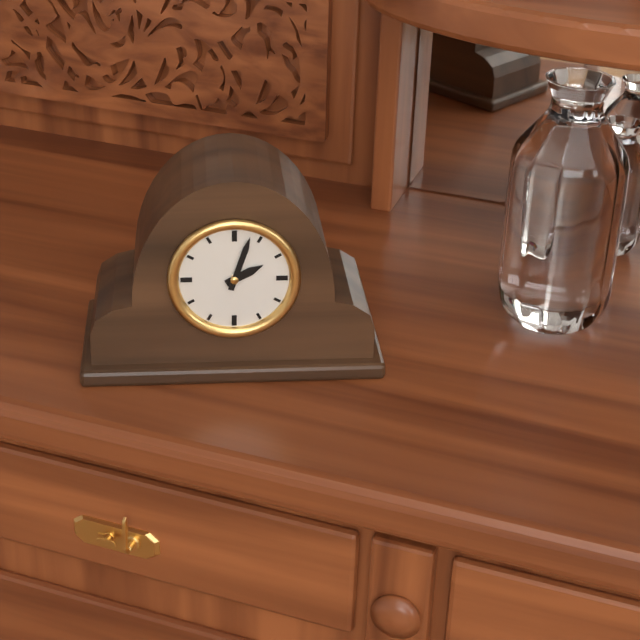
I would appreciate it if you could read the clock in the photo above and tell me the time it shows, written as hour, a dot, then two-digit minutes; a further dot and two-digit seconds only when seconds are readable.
2.03
